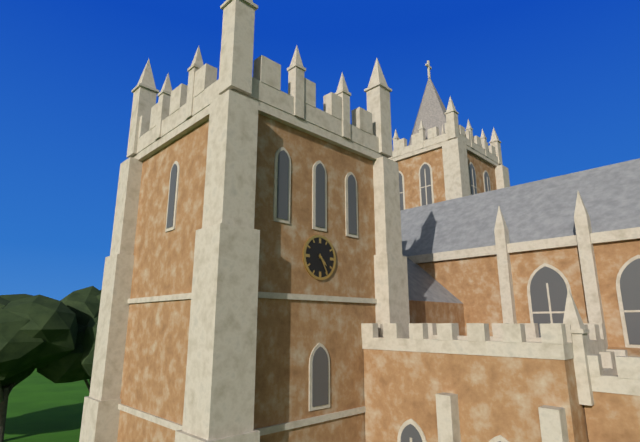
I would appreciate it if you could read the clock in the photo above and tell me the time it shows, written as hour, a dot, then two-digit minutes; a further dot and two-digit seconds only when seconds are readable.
4.25
